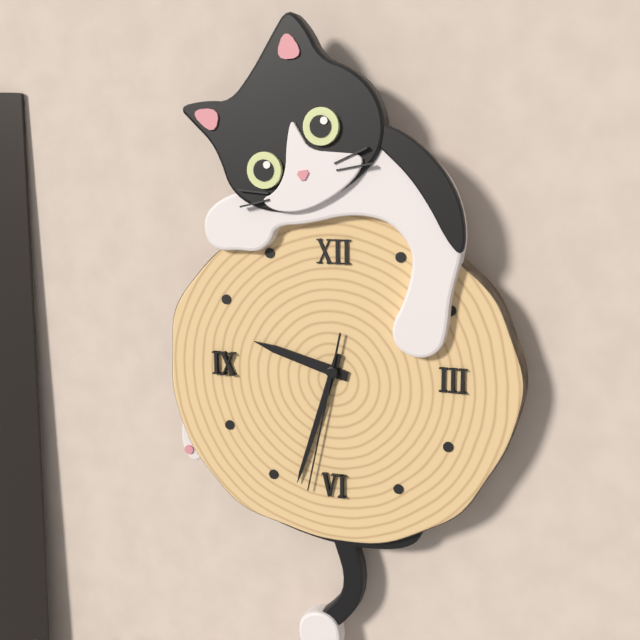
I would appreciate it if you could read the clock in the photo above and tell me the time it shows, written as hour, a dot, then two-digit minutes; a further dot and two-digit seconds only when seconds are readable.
9.33.32
